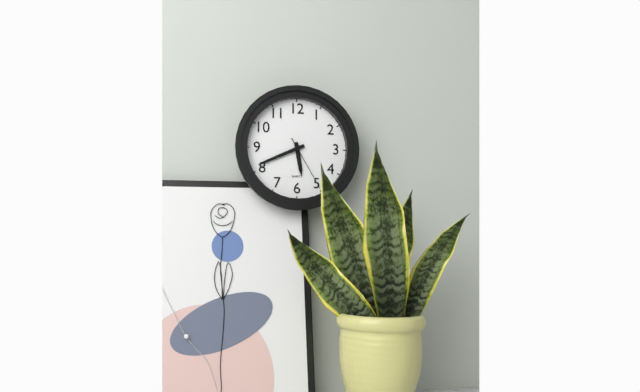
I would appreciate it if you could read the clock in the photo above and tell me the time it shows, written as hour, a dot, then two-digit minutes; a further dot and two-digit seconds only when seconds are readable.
5.41.25
